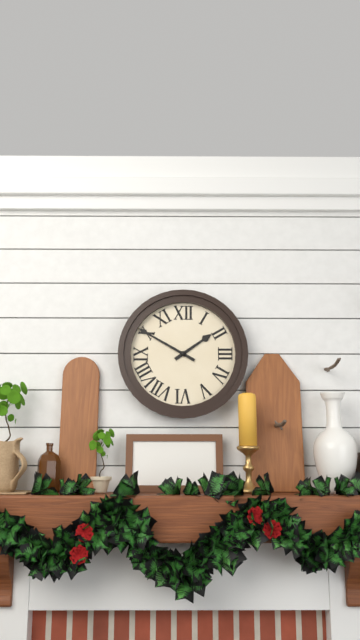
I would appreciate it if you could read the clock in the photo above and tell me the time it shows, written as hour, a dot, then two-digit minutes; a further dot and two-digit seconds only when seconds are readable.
1.50
